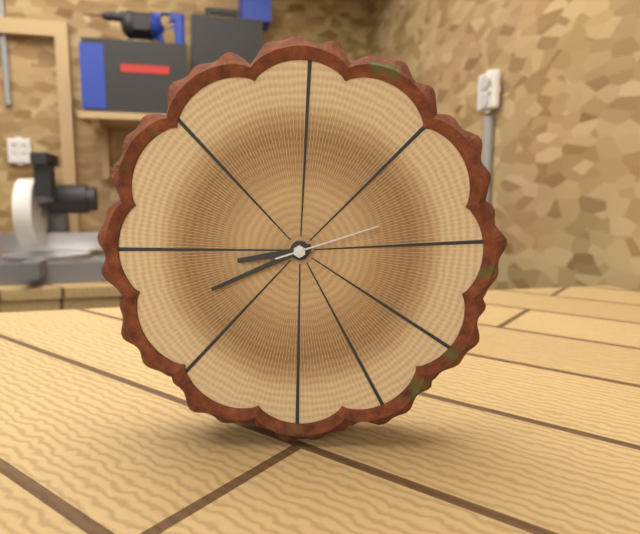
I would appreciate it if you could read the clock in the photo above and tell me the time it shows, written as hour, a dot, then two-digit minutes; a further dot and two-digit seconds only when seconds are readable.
8.41.12
